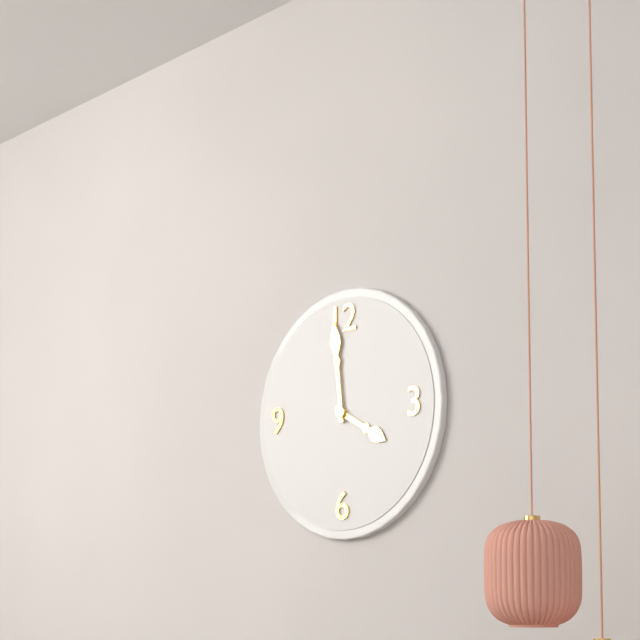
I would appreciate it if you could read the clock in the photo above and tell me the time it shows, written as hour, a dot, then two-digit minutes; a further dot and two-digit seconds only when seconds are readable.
3.59
